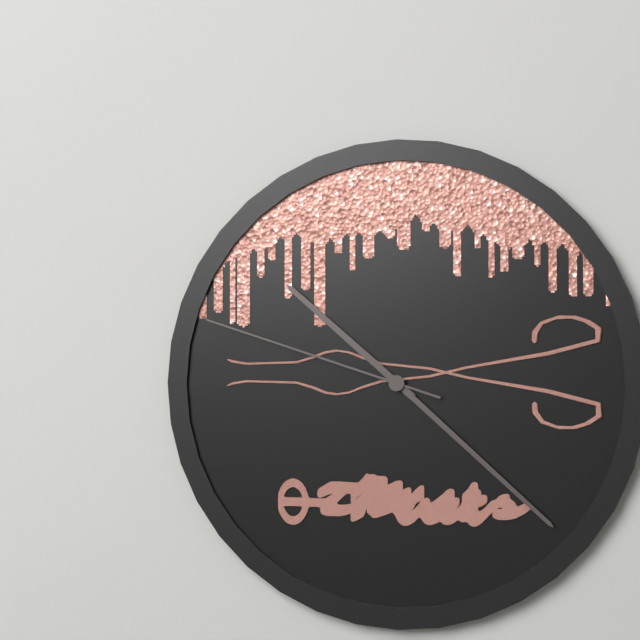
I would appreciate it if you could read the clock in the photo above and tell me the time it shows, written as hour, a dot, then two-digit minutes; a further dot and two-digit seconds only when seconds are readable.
10.22.48
